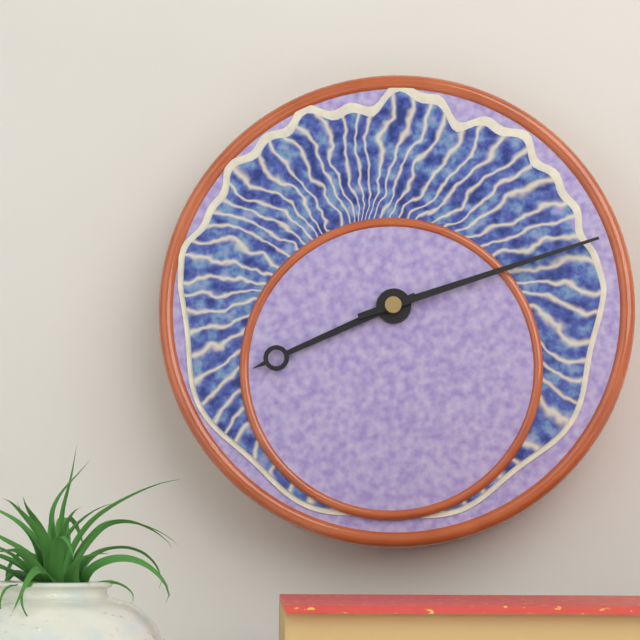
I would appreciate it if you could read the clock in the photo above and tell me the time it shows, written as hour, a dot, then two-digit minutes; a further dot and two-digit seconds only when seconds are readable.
8.12
